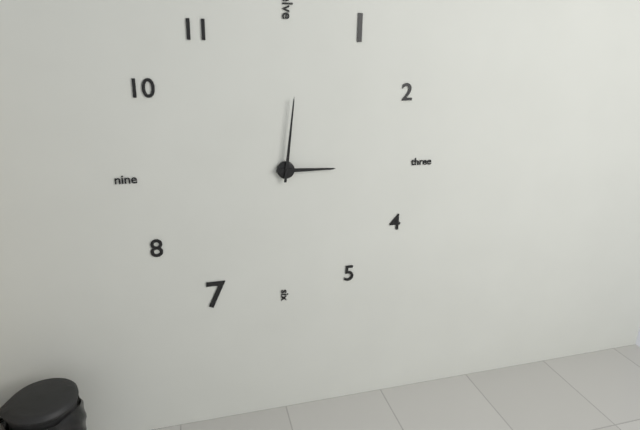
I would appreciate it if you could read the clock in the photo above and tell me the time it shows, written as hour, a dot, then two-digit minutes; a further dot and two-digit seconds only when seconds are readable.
3.01
